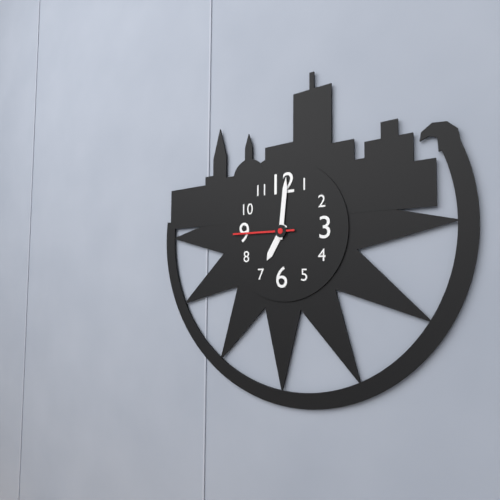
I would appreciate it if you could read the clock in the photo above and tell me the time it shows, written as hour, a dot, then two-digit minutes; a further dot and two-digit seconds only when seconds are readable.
7.01.45
